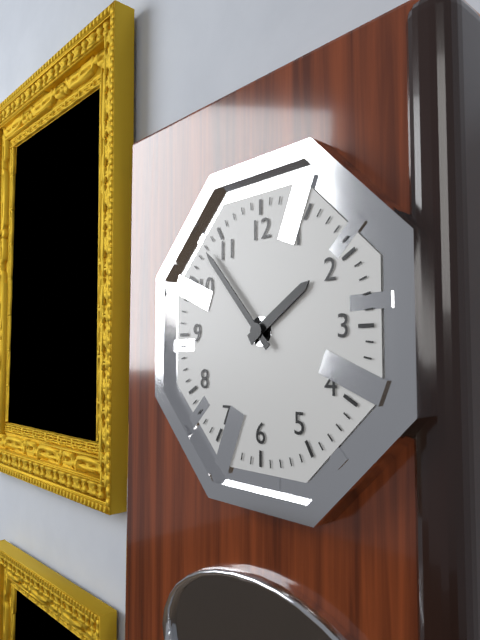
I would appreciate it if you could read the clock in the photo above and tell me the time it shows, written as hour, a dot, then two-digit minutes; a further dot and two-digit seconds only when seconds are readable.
1.53
